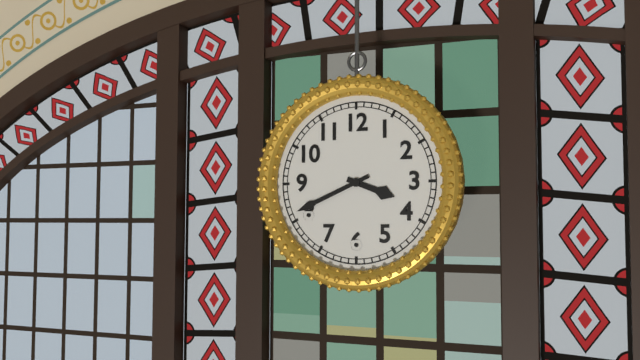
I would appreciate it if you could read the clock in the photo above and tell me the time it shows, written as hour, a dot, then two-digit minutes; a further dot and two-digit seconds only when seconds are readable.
3.41
